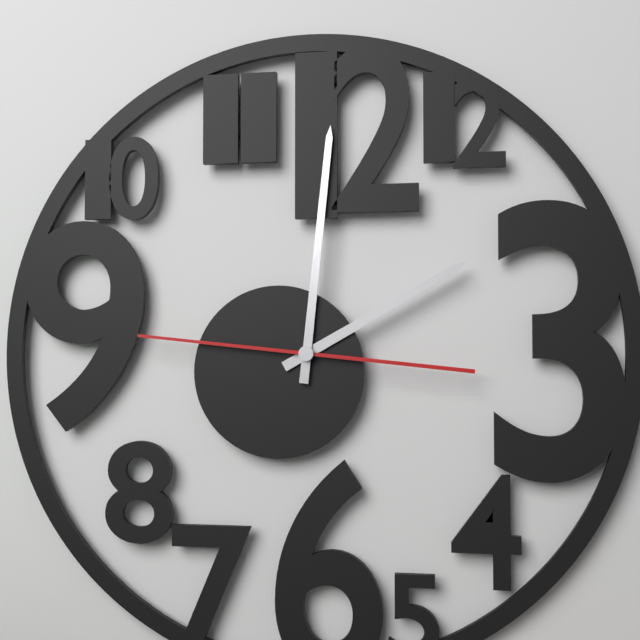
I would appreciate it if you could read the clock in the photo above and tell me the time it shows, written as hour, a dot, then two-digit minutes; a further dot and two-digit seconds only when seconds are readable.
2.01.46
